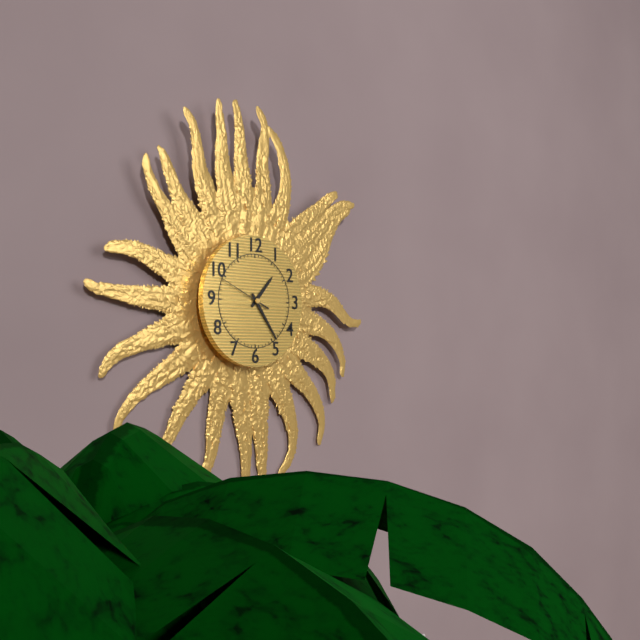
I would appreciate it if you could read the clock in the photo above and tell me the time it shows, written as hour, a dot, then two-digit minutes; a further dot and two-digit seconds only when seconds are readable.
1.24
